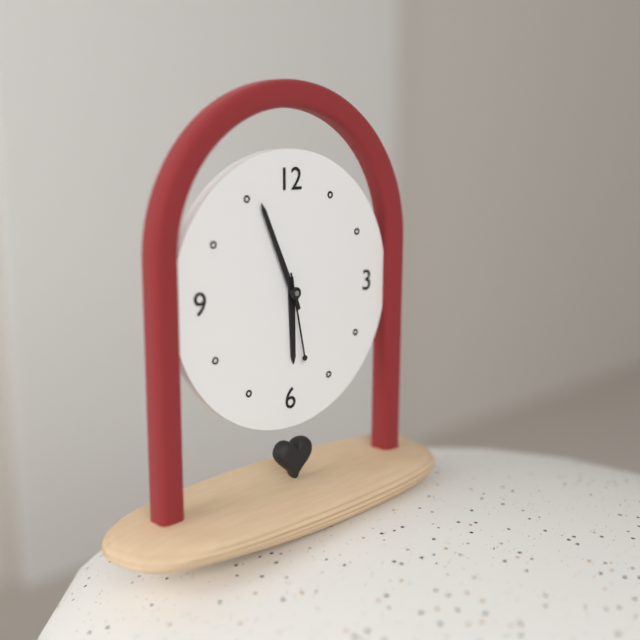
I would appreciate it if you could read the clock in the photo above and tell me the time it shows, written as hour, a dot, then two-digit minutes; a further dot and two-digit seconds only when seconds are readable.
5.56.28
